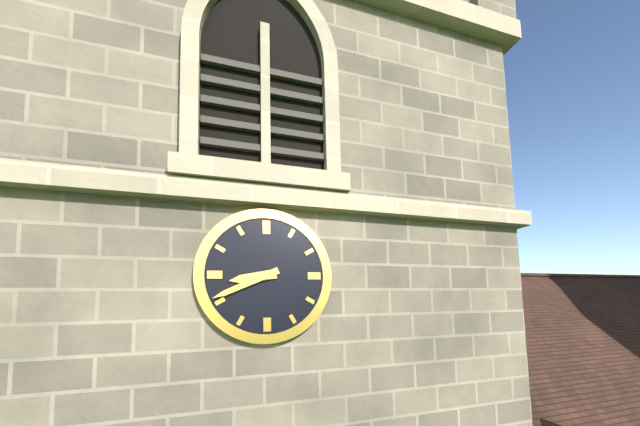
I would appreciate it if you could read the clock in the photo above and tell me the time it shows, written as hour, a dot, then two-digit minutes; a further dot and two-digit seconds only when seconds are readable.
8.41
